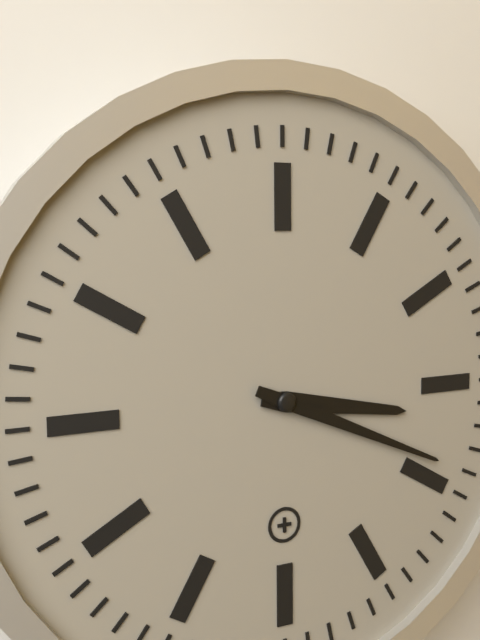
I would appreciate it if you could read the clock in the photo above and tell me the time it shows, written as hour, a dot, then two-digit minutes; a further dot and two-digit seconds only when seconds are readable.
3.19
